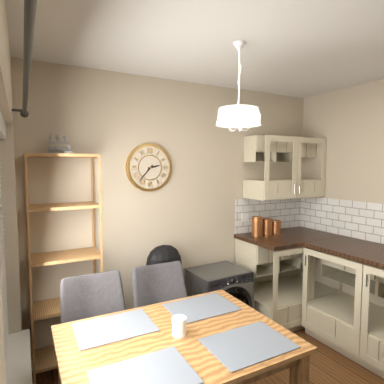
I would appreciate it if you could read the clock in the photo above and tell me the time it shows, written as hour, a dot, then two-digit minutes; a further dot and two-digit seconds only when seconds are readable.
2.37
